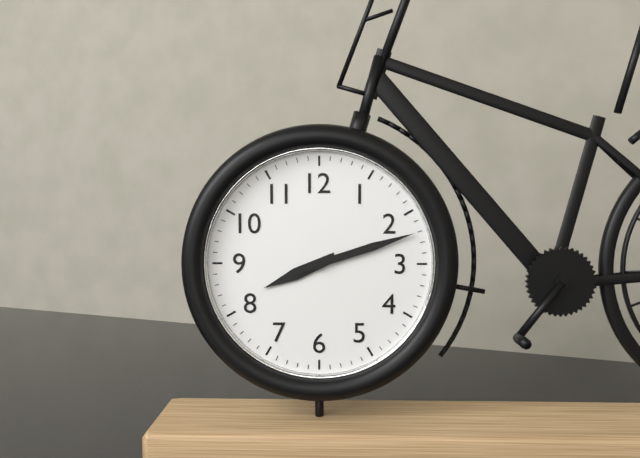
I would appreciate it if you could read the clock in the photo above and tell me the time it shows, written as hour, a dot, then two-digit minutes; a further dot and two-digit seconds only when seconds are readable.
8.12
